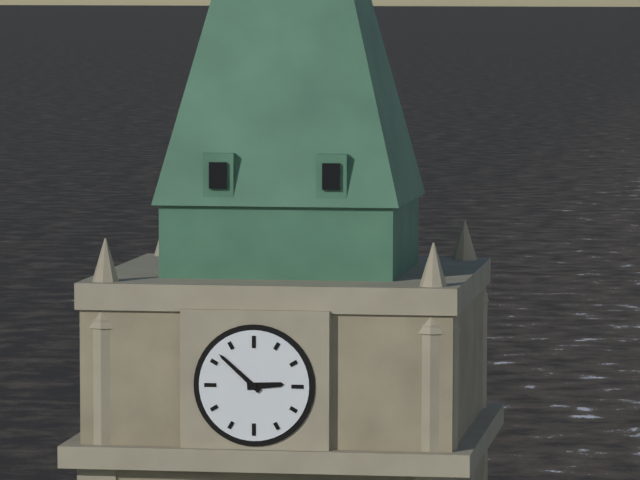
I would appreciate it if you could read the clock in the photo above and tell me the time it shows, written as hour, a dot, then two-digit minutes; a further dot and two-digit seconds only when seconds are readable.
2.52
